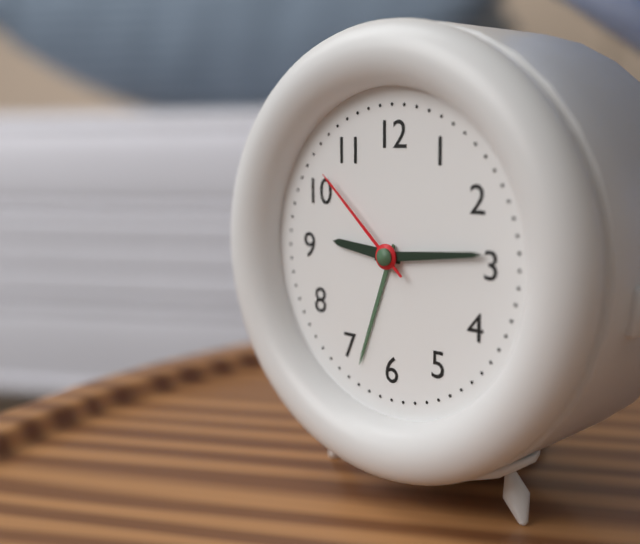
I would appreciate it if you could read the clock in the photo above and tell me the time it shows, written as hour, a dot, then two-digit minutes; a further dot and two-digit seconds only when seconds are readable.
9.14.52
